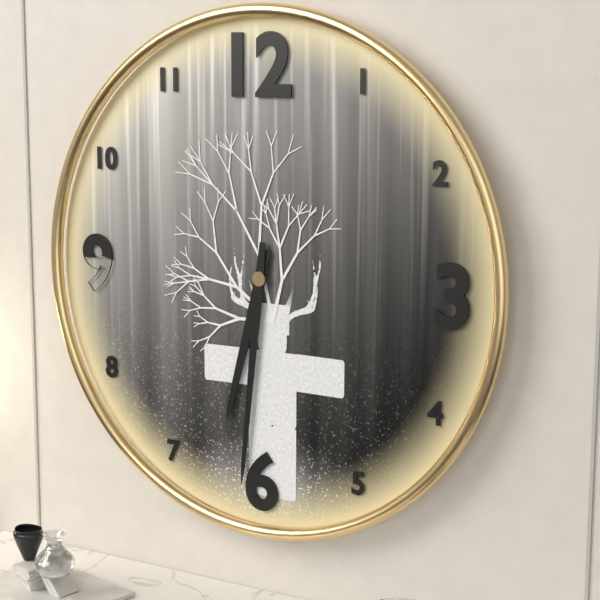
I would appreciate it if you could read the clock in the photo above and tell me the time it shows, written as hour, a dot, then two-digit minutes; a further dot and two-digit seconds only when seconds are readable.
6.31
